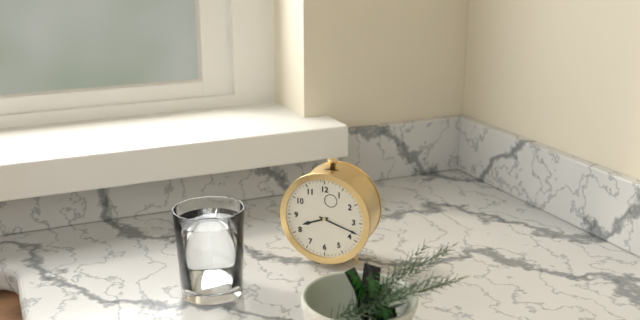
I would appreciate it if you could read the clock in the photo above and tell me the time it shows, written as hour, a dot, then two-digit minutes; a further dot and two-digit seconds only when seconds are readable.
8.18
